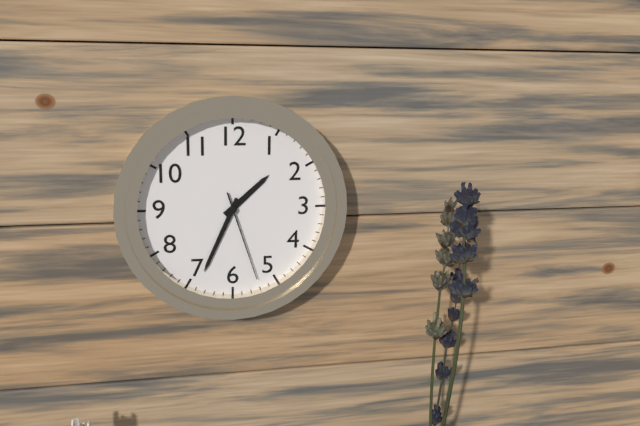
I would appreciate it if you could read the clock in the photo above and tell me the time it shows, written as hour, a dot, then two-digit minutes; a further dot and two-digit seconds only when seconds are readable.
1.34.27
